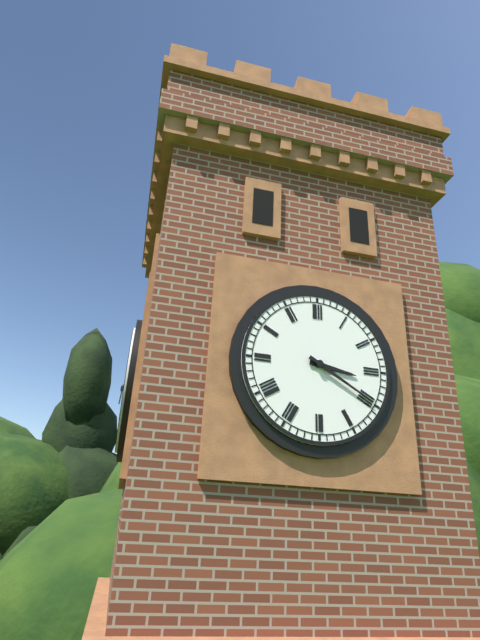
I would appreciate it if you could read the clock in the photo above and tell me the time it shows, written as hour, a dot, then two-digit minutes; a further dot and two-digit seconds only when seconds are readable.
3.20
